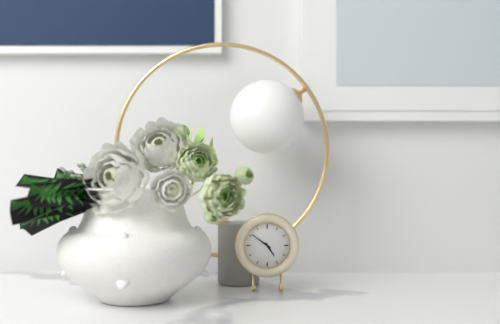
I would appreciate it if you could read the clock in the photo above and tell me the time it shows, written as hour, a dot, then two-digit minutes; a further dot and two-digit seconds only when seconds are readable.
4.51
